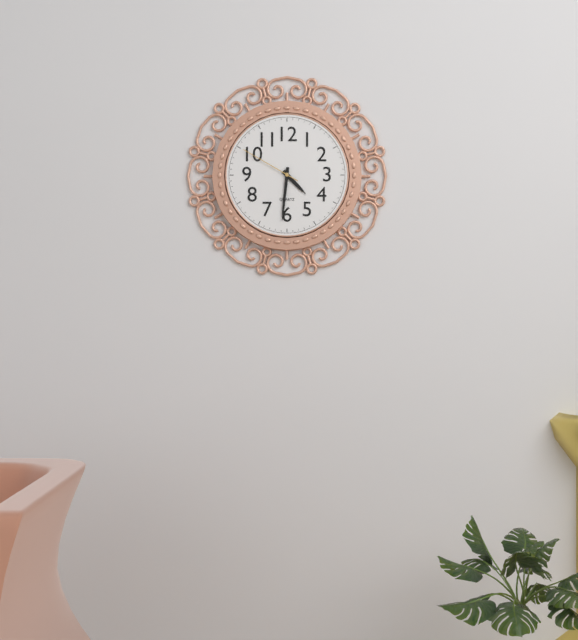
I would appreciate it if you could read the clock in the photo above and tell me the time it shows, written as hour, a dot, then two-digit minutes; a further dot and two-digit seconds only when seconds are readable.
4.31.50
